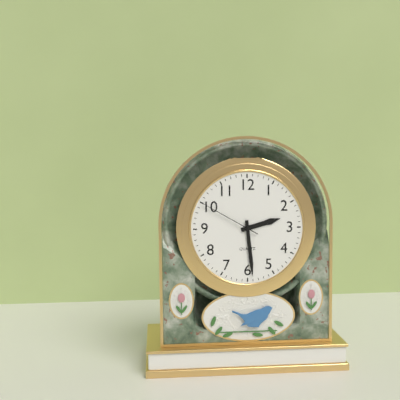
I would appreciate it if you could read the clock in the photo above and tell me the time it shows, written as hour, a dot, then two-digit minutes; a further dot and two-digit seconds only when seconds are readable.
2.29.50
